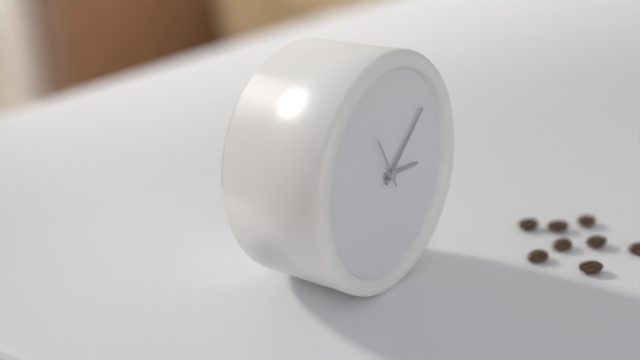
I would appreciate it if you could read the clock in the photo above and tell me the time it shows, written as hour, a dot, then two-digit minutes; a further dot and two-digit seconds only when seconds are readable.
3.08
